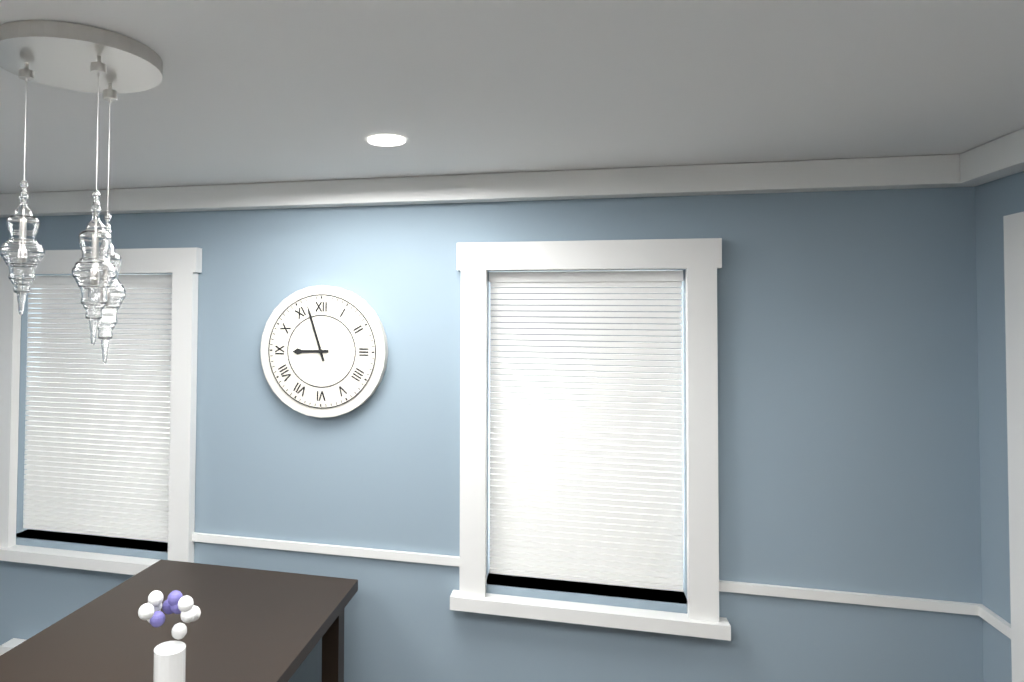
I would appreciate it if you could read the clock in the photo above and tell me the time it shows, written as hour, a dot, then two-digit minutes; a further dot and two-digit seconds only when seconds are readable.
8.57
